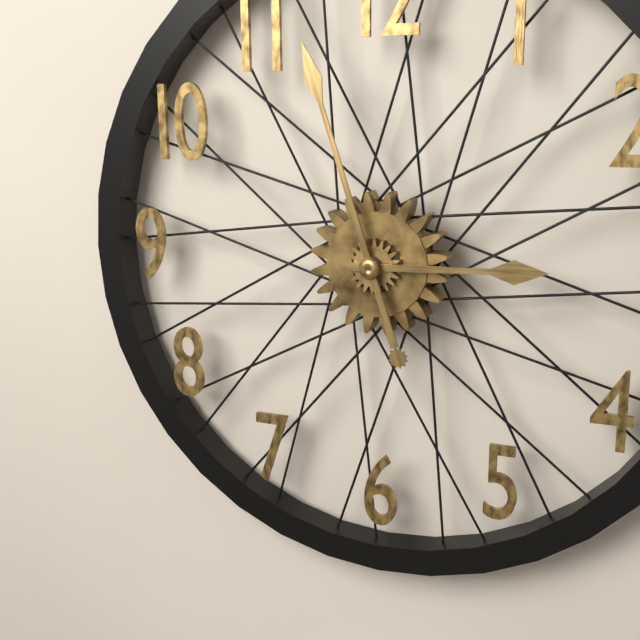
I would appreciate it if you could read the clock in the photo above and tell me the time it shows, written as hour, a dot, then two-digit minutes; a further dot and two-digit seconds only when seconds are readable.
2.57
